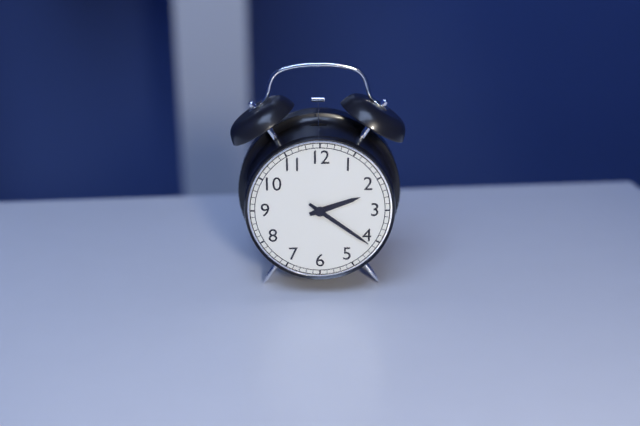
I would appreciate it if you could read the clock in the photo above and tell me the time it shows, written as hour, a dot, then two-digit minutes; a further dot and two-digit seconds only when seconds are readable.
2.21
